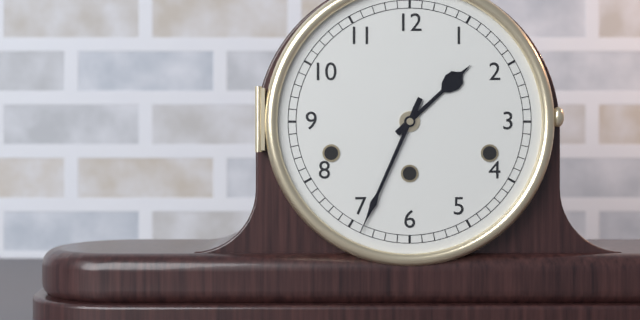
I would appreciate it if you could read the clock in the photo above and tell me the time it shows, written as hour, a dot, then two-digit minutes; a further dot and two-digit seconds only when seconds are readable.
1.34
